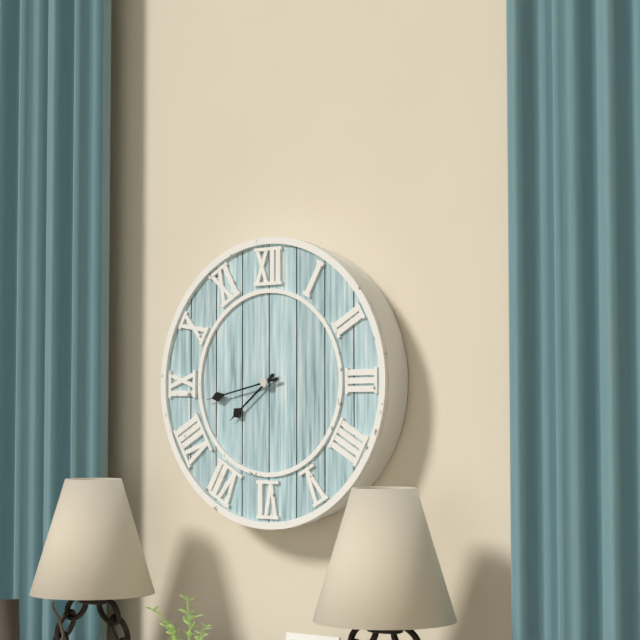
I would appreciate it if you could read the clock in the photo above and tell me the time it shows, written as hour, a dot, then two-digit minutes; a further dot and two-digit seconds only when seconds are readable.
7.43
